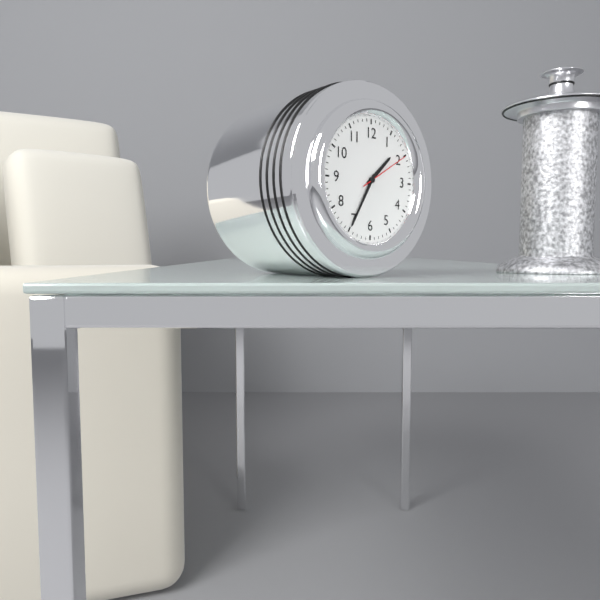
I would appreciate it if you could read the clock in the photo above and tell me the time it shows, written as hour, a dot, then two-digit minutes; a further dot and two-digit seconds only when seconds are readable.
1.35.10
